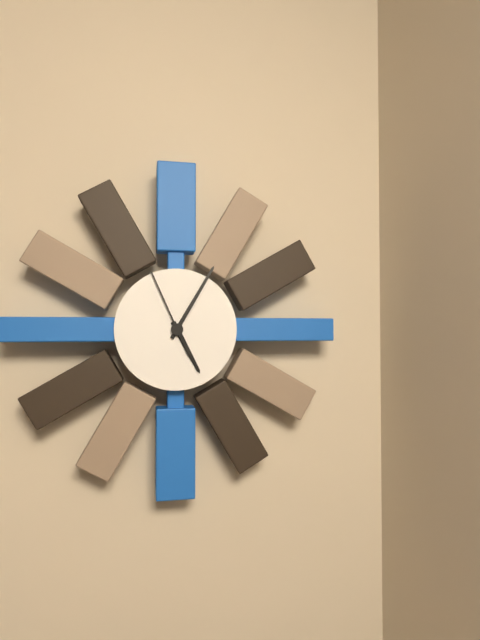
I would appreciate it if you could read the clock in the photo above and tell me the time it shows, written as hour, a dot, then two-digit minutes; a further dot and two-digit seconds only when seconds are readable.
5.05.56
